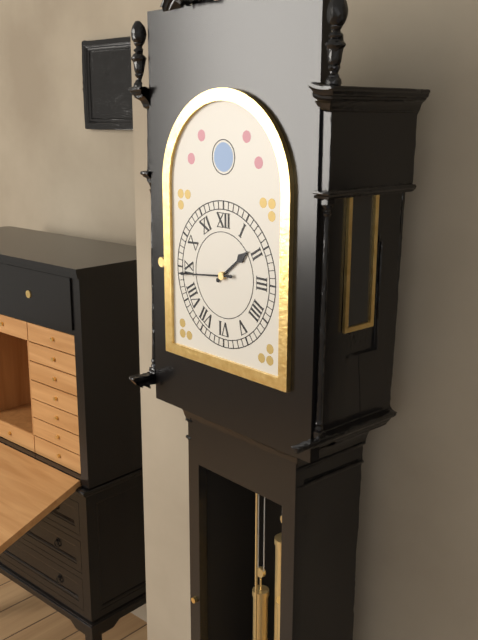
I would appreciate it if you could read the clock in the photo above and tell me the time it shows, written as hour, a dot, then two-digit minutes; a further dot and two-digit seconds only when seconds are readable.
1.44
